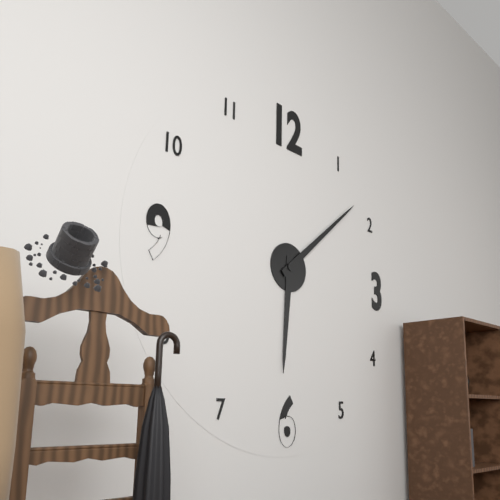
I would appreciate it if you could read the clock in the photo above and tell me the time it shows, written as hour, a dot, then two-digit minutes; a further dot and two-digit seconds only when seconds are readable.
6.08
